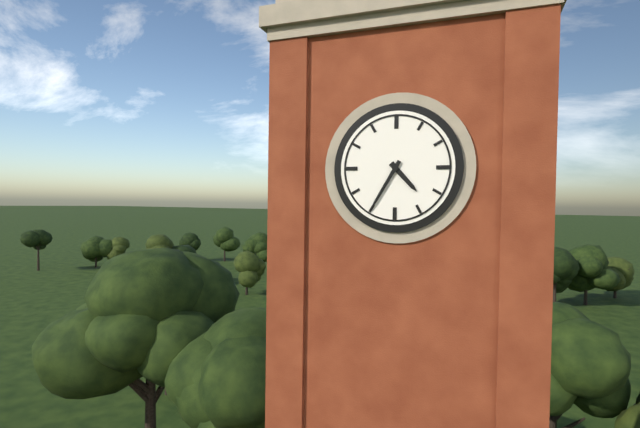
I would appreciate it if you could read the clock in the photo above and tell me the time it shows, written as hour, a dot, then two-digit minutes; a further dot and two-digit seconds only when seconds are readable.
4.35
